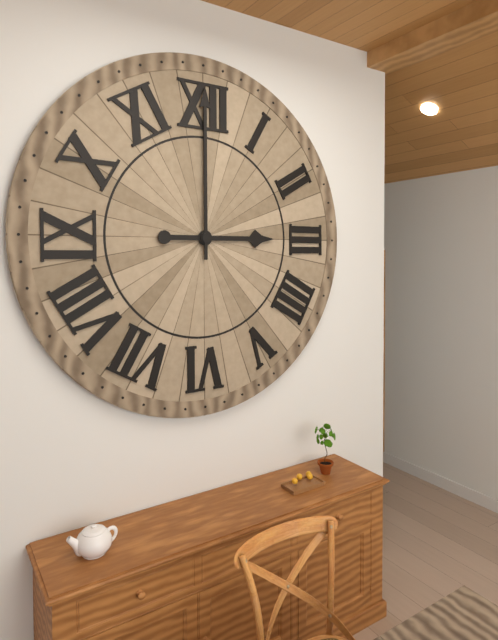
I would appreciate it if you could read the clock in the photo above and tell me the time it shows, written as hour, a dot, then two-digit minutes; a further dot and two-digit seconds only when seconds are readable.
3.00
